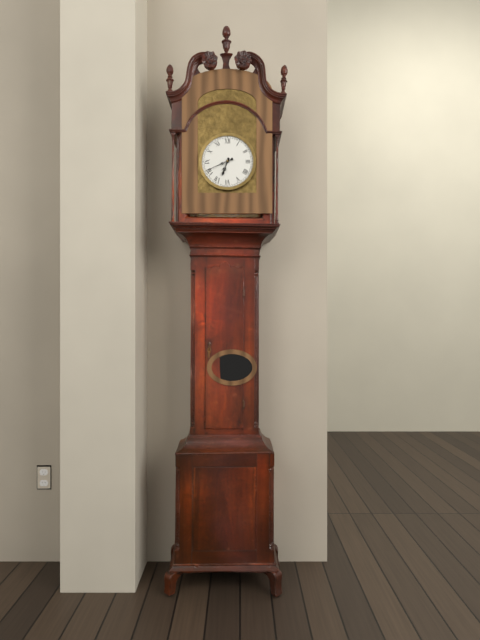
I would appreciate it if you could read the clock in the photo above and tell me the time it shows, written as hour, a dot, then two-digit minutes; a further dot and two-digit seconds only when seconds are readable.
6.41
